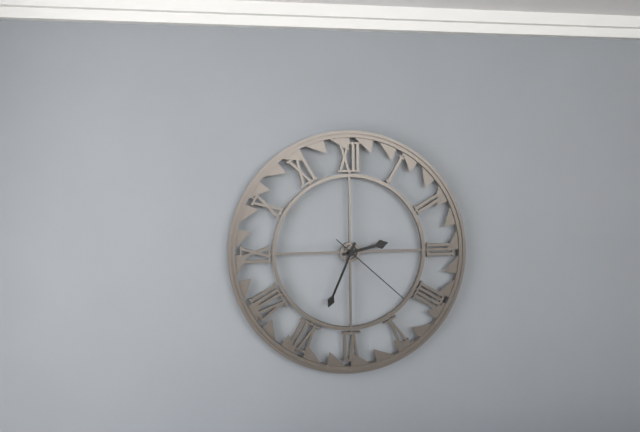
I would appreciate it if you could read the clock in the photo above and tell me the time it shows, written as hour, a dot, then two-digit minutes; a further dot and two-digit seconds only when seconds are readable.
2.34.22
